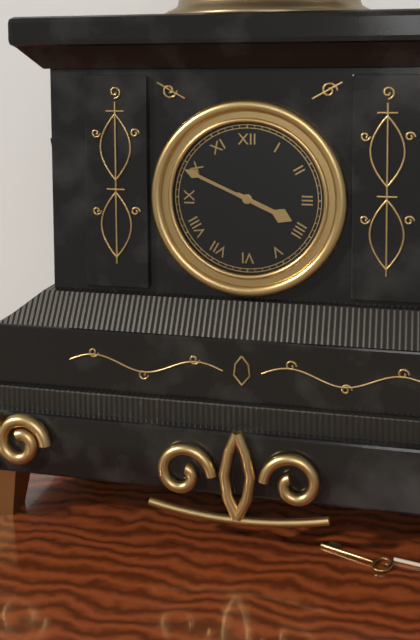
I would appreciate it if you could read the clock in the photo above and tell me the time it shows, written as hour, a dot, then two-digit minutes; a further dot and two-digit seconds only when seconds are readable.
3.49
